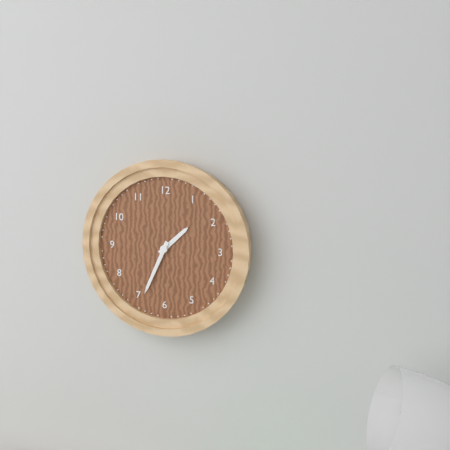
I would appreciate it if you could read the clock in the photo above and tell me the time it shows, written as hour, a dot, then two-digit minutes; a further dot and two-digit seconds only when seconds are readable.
1.34
